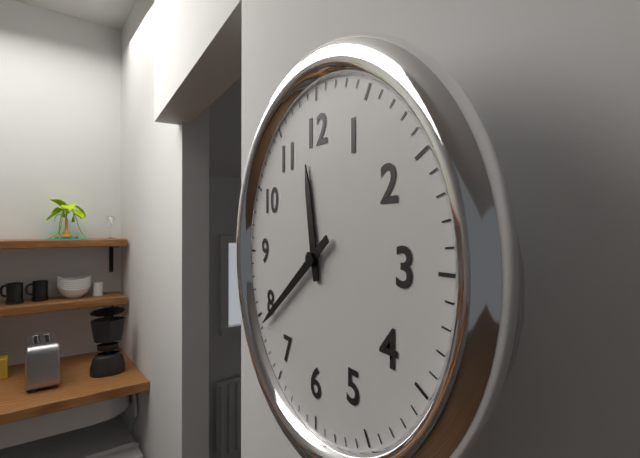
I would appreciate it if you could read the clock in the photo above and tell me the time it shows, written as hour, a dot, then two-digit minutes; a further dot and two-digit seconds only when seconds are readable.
11.39
